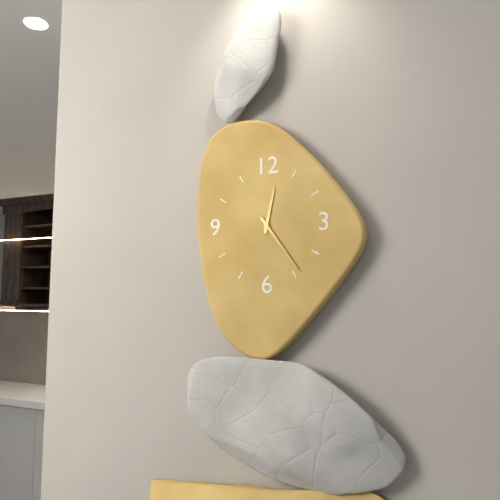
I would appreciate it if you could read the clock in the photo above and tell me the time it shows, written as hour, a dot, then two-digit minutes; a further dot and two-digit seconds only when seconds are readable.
12.24
